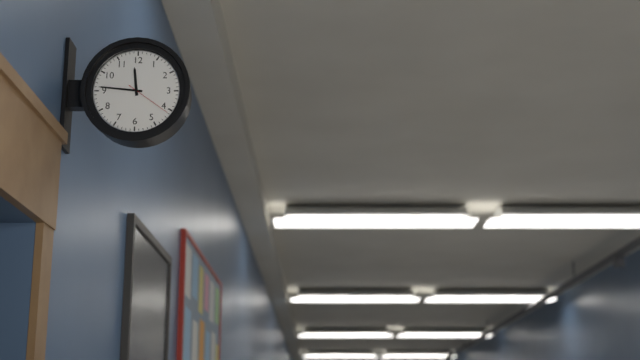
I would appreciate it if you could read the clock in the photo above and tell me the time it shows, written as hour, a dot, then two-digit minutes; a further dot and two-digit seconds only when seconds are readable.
11.46
